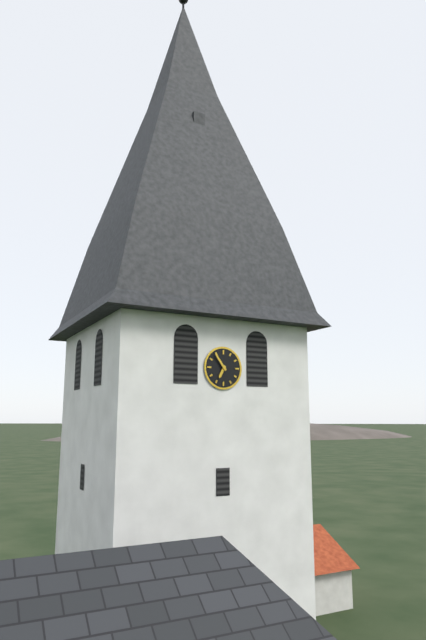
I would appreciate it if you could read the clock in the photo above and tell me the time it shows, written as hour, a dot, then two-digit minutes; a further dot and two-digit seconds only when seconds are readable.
6.54
